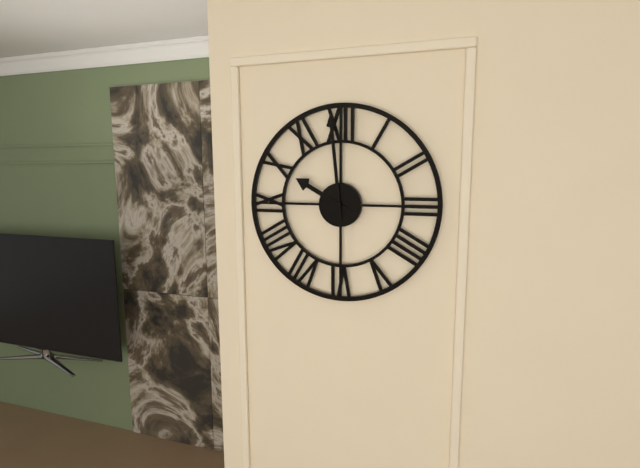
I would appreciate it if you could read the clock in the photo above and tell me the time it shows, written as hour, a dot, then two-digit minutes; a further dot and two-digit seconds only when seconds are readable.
9.59
